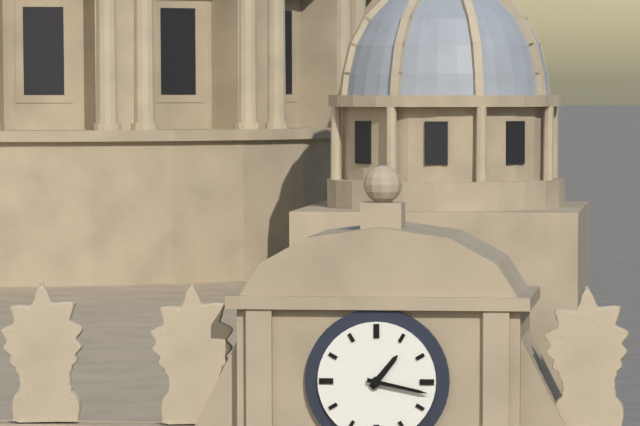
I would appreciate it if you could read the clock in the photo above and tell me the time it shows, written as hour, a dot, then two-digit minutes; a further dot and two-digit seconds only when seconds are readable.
1.17
